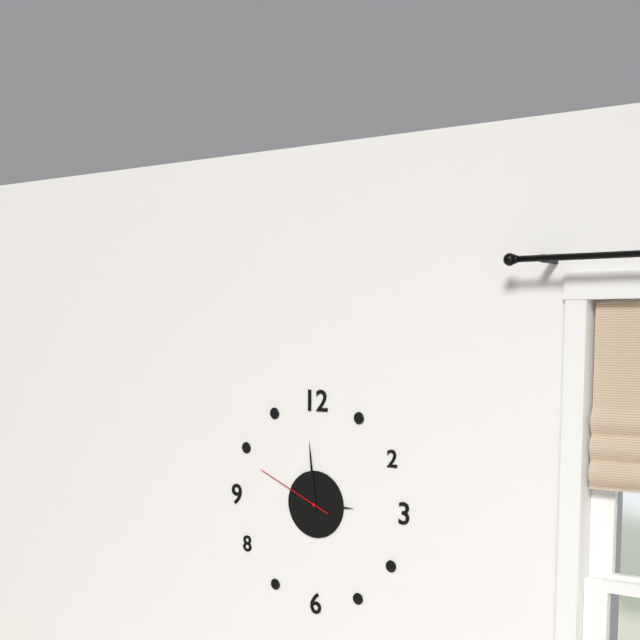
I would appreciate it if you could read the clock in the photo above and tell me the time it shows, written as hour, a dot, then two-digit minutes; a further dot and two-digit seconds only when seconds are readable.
2.59.49
